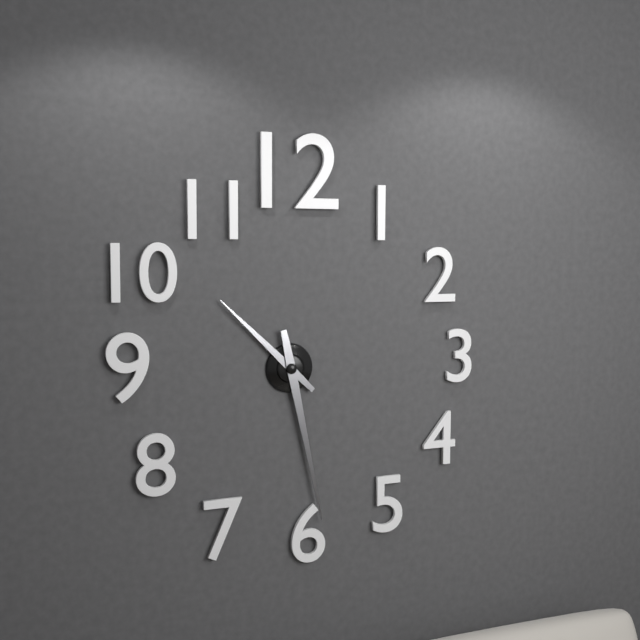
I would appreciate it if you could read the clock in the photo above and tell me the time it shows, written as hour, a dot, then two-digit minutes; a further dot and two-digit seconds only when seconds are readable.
10.28
